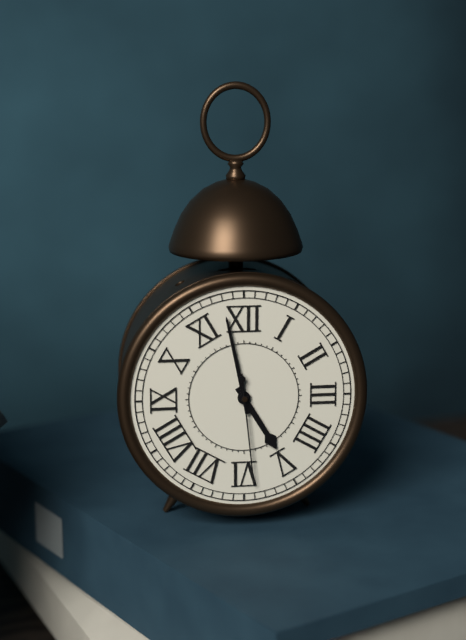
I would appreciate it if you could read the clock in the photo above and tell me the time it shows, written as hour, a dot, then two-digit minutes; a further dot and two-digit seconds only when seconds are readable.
4.58.29
